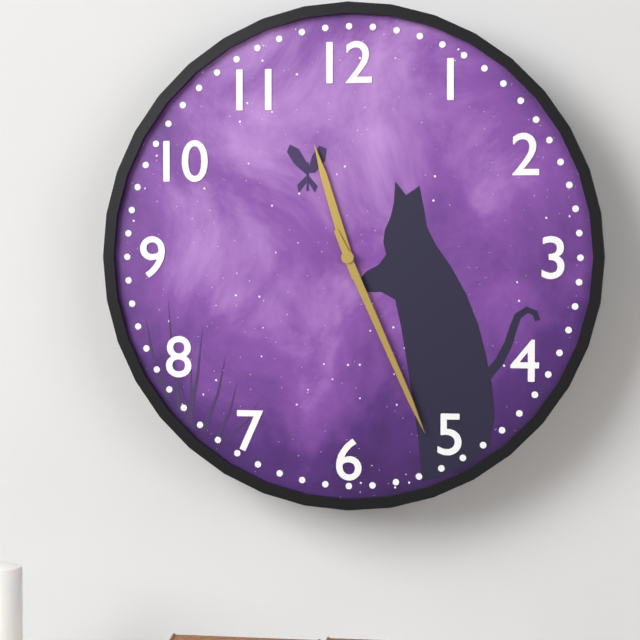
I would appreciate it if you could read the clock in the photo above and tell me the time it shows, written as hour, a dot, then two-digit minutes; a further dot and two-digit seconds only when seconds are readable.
11.26
